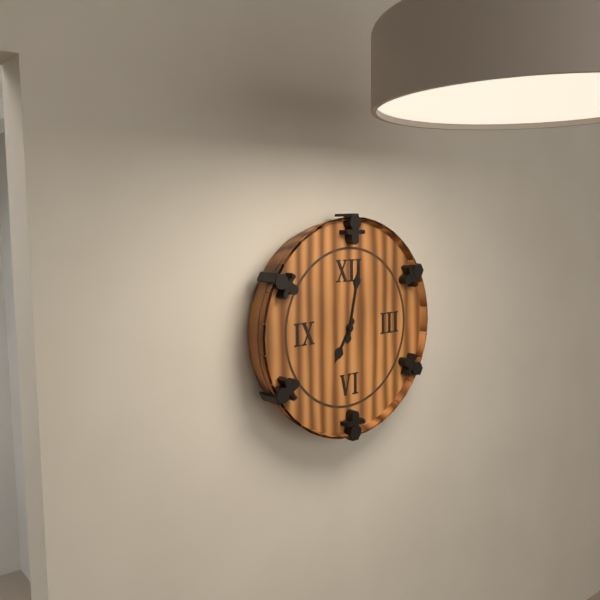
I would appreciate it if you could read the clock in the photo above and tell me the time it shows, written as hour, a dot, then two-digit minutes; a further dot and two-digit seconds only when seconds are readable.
7.02
